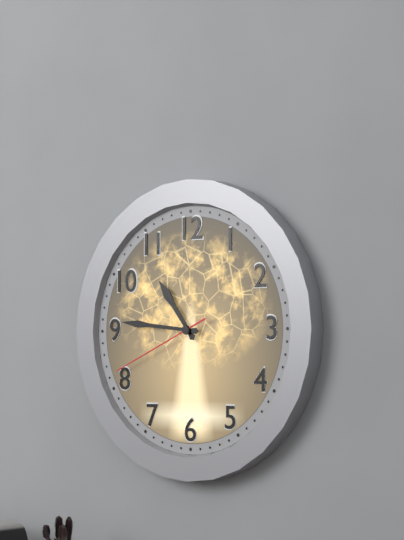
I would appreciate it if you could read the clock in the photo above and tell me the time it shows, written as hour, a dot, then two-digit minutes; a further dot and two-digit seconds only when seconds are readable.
10.46.41
